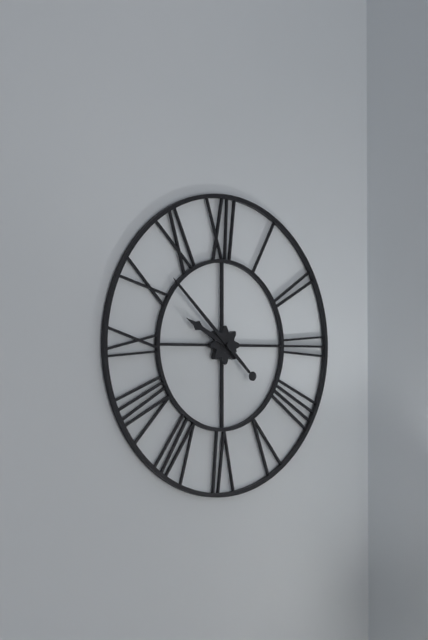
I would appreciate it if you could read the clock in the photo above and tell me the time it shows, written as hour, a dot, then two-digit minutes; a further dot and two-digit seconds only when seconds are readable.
9.52
